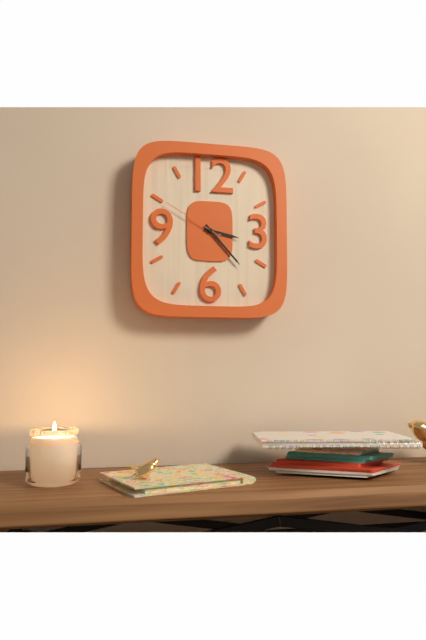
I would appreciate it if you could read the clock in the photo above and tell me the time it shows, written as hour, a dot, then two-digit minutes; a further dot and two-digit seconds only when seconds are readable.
3.23.50
